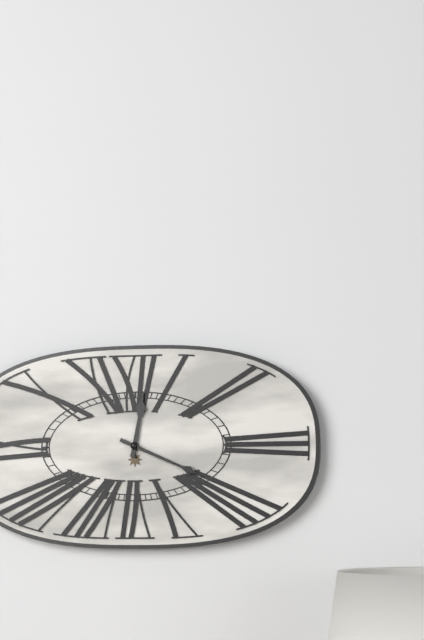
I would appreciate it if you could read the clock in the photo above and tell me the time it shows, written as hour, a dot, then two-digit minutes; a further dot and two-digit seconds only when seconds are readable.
12.19
